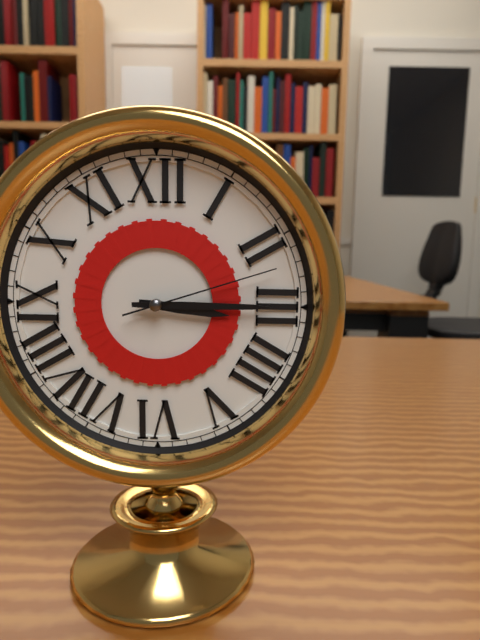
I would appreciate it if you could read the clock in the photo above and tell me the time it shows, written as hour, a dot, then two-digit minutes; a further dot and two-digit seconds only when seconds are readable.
3.15.12
